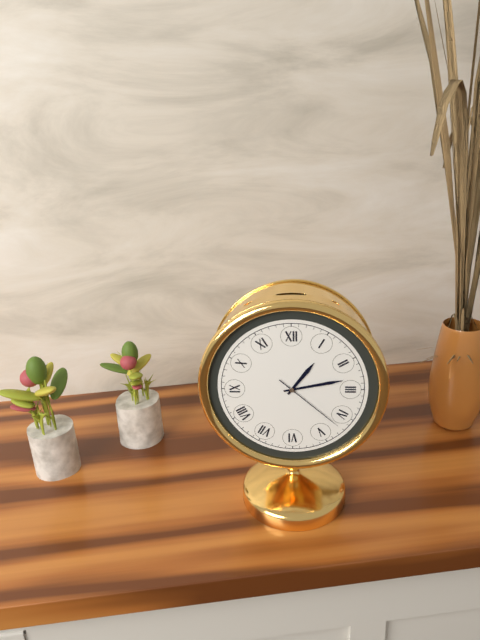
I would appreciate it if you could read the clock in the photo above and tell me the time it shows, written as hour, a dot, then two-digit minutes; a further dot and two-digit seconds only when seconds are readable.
1.13.22
